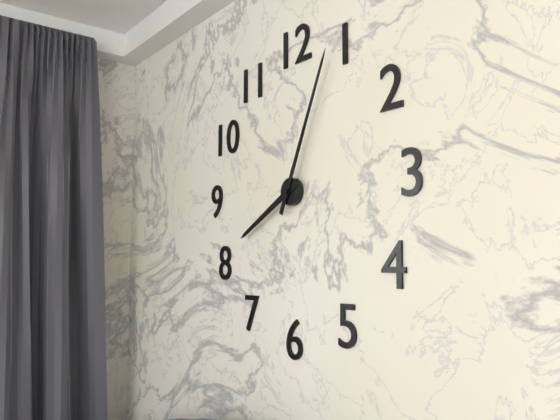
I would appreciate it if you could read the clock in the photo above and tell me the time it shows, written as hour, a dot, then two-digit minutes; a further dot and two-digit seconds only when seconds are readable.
8.04
